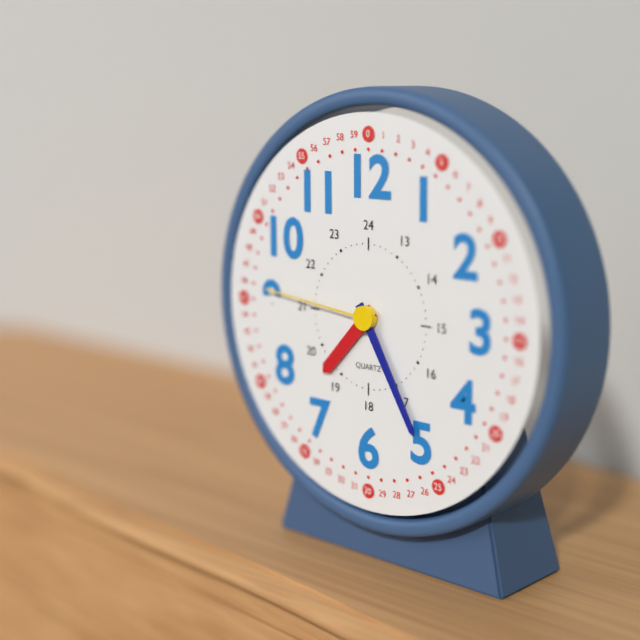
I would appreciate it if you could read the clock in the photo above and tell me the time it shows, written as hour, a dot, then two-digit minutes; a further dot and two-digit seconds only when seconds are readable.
7.25.46
